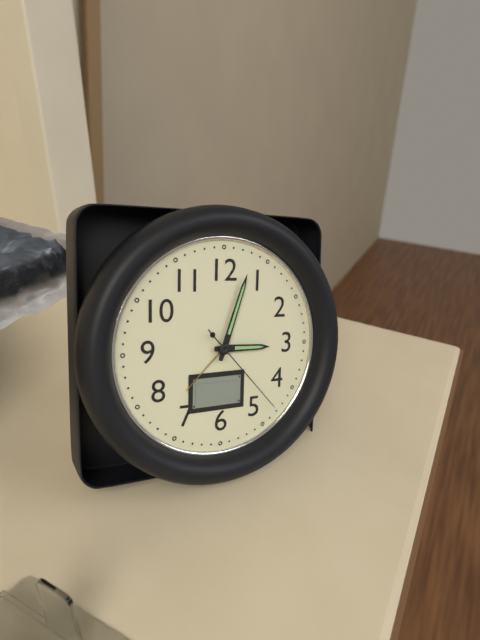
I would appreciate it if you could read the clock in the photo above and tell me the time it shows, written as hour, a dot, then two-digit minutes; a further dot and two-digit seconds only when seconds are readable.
3.03.23
